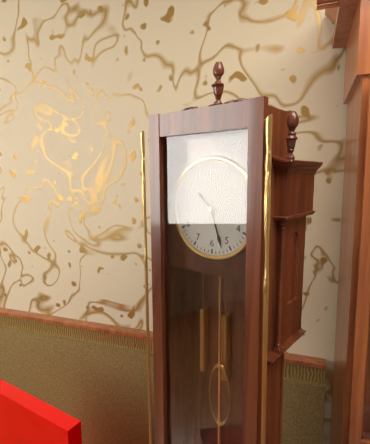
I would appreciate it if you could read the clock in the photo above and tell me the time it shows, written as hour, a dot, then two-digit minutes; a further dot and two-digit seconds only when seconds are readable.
10.27
